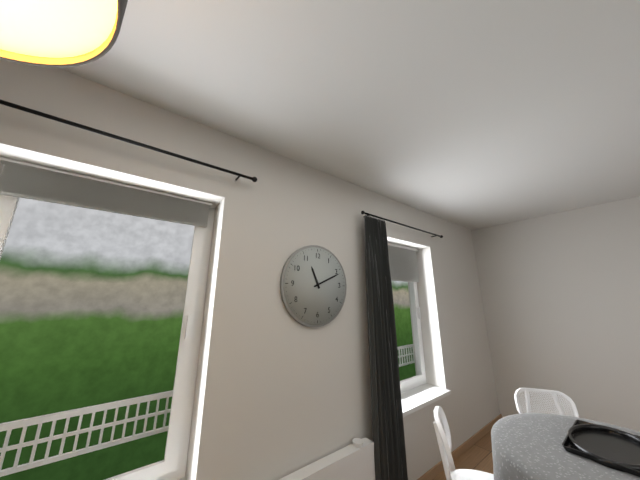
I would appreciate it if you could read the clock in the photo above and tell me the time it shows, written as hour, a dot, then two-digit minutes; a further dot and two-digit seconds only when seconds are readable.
11.11
